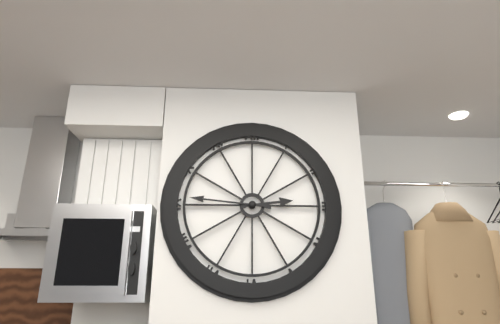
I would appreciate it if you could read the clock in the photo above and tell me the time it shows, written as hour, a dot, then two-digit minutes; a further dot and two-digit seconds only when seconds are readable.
2.46
